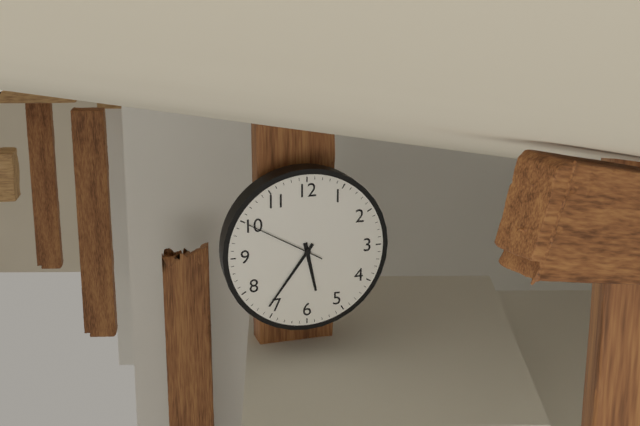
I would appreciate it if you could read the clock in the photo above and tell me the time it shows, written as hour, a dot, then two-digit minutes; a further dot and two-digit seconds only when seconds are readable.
5.36.50
